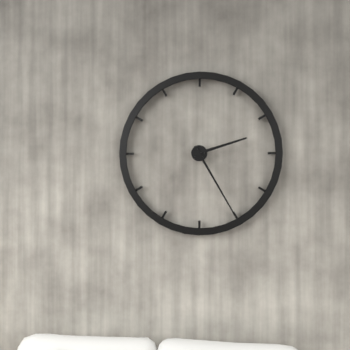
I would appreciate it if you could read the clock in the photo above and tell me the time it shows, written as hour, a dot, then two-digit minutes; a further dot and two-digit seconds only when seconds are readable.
2.25
